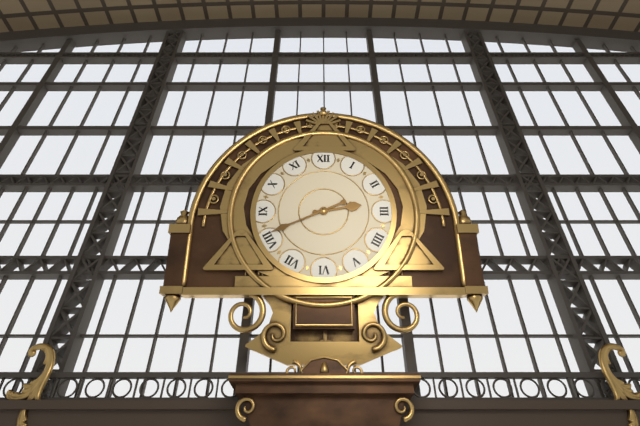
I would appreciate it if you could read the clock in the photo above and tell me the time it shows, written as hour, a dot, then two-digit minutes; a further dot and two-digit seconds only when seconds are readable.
2.41
